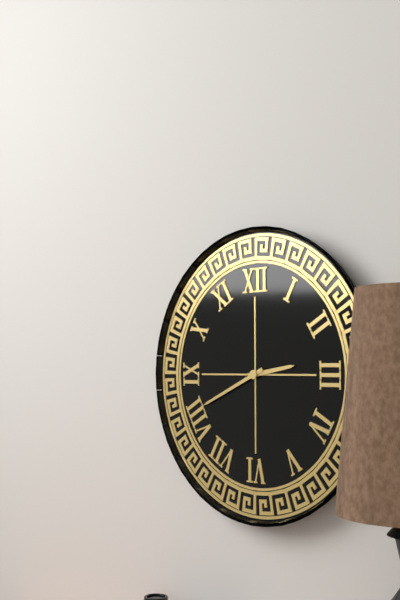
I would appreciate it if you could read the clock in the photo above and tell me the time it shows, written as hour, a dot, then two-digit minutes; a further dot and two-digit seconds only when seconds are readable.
2.41
